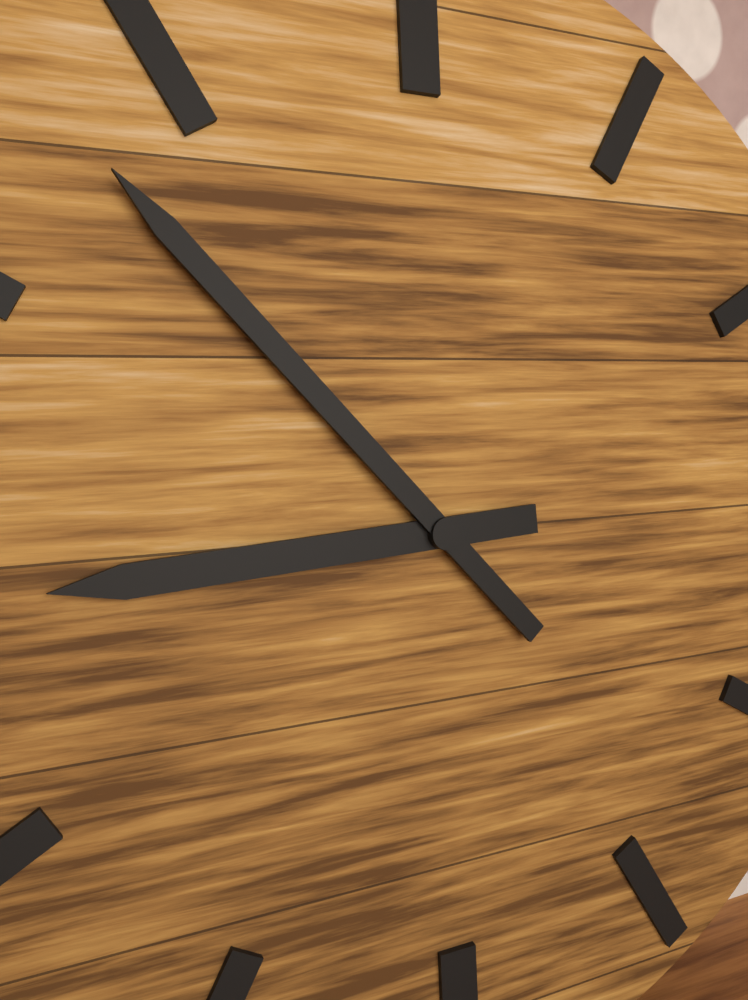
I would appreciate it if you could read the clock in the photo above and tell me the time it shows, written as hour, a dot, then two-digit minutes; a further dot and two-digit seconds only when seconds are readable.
8.53
